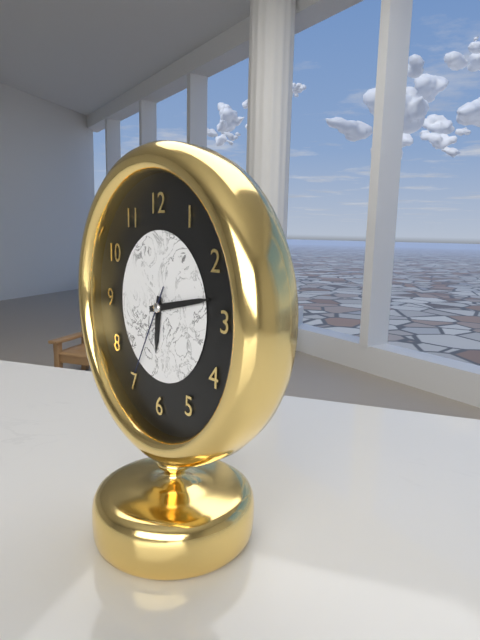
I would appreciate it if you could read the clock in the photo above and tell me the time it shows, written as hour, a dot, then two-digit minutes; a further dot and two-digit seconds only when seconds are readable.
6.13.35
